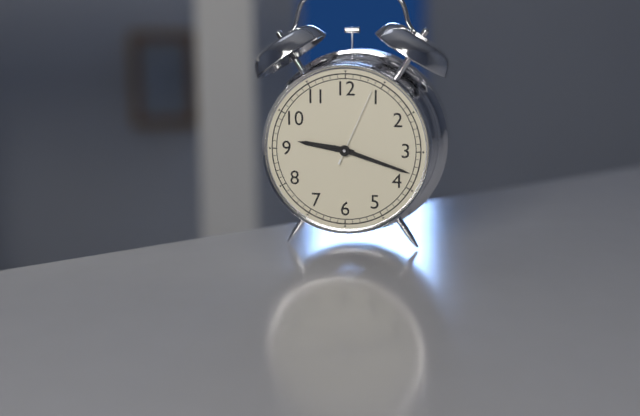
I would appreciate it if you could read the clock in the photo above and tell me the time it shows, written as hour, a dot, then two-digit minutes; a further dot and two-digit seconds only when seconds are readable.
9.18.04
